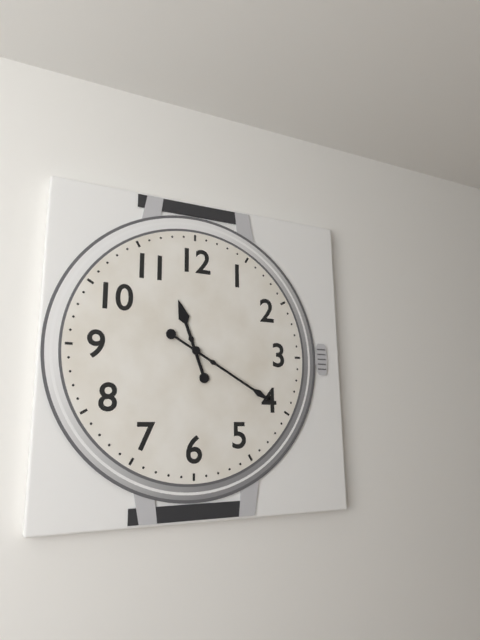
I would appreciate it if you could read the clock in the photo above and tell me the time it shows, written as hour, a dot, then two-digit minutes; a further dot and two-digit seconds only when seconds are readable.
11.20
